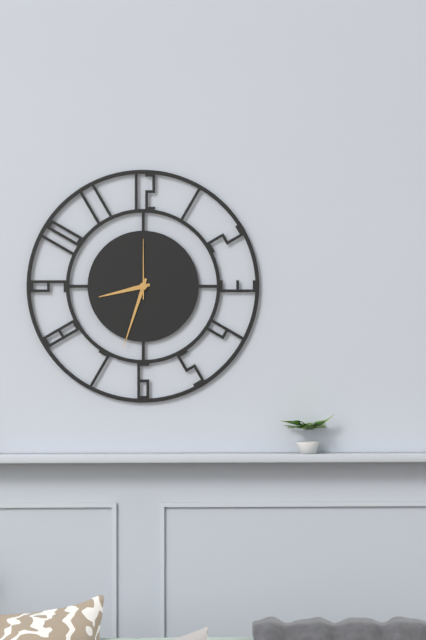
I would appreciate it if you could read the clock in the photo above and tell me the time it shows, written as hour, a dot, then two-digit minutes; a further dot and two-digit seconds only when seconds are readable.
8.33.00
